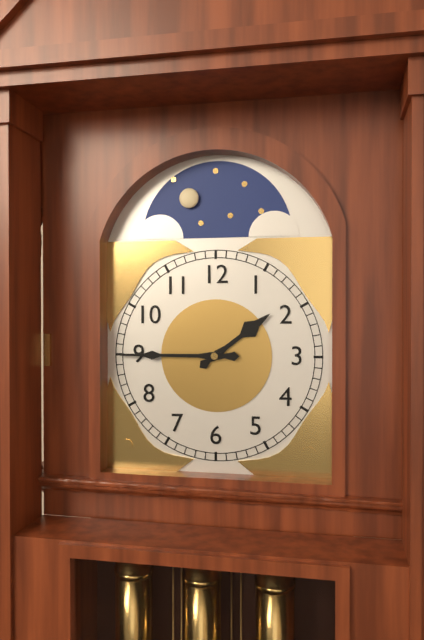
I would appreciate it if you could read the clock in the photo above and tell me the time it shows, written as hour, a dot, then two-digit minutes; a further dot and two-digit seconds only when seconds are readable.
1.45
